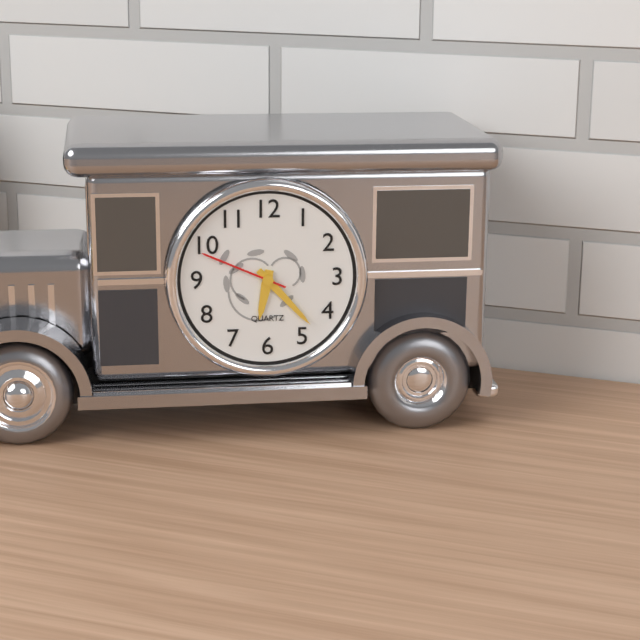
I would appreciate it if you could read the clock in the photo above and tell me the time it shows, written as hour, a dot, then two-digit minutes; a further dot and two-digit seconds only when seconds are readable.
6.23.49
